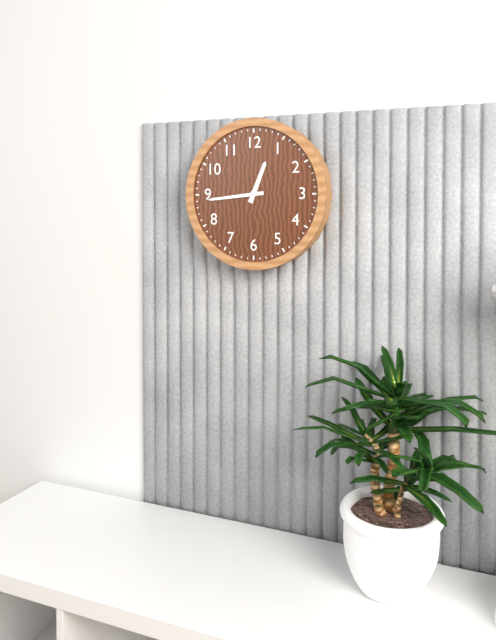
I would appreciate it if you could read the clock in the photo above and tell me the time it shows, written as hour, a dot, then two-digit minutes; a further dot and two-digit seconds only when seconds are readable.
12.44
